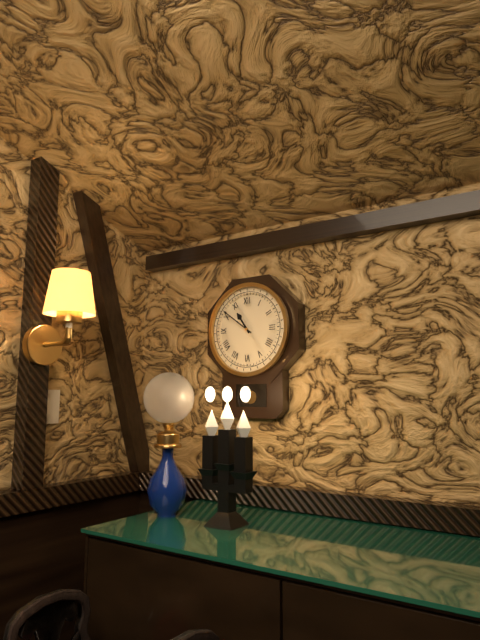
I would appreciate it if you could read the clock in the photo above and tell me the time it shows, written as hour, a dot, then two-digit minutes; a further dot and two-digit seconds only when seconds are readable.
10.51
